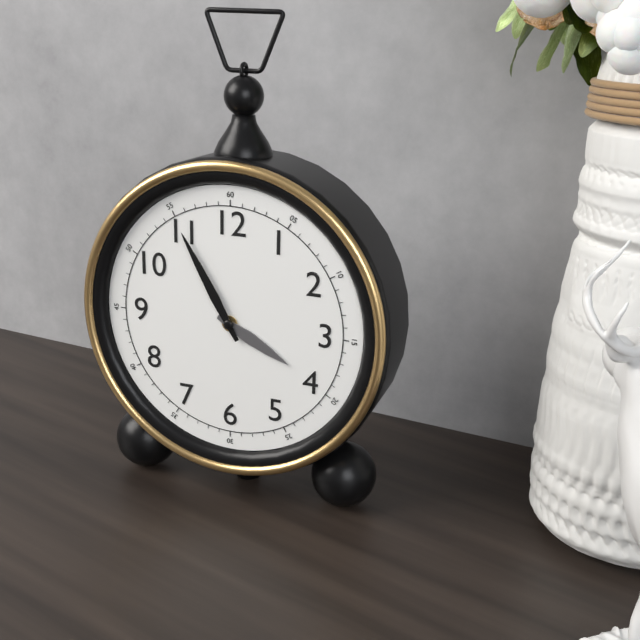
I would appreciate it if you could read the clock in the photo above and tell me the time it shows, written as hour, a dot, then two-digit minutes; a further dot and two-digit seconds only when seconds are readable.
3.55
